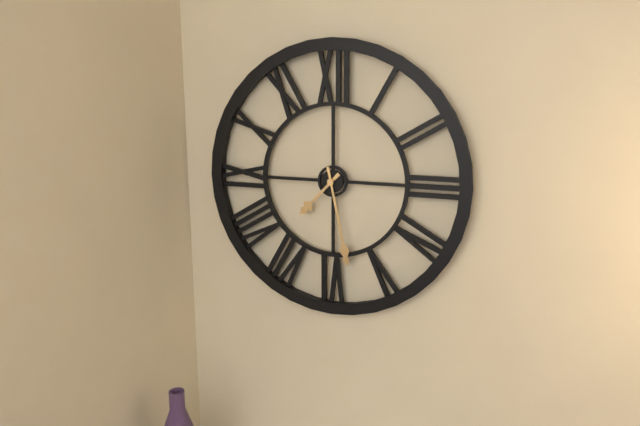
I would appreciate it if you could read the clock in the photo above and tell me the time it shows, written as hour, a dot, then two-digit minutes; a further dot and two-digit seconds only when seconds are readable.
7.28
